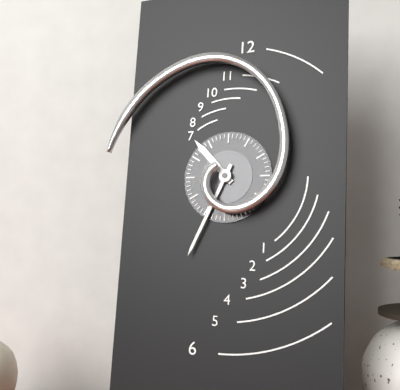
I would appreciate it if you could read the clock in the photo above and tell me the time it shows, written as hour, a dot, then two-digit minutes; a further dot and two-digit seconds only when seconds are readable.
10.34
